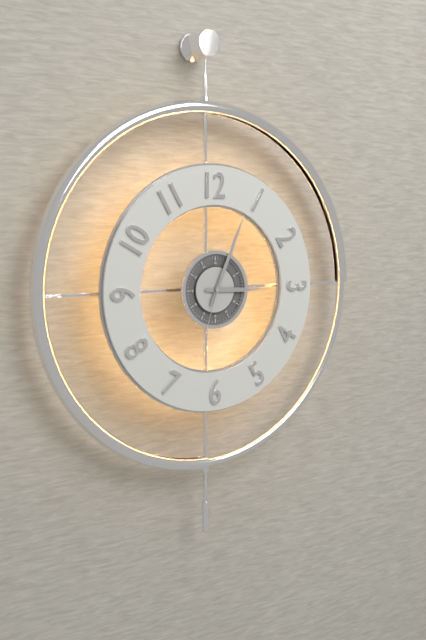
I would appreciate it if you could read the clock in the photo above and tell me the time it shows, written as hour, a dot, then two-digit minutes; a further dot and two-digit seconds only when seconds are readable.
3.04.33
